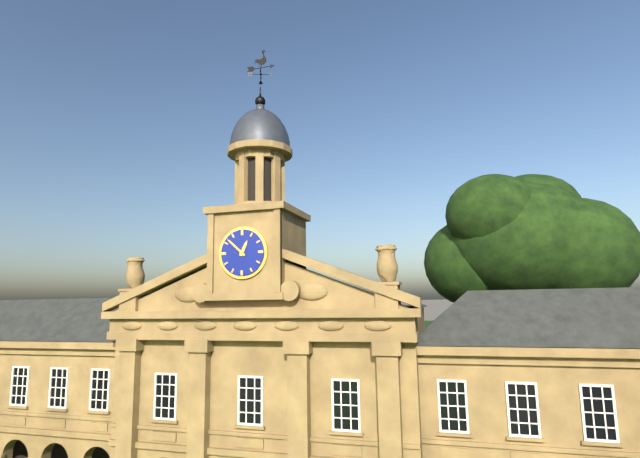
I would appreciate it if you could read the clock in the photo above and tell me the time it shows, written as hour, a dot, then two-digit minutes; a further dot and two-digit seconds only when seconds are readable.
12.52
